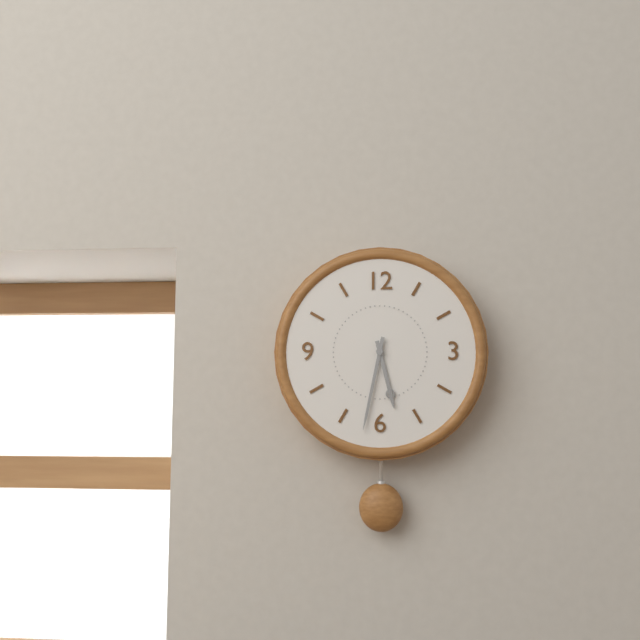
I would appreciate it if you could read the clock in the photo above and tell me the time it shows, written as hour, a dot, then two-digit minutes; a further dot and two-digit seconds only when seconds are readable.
5.32
